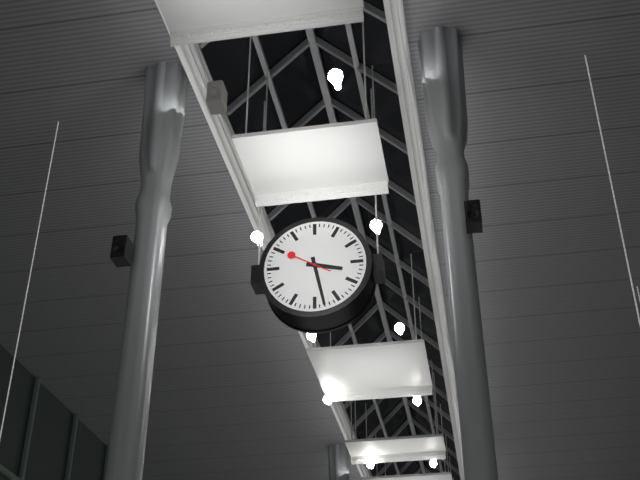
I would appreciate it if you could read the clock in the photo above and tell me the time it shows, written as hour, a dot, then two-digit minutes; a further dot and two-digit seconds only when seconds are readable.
3.28
